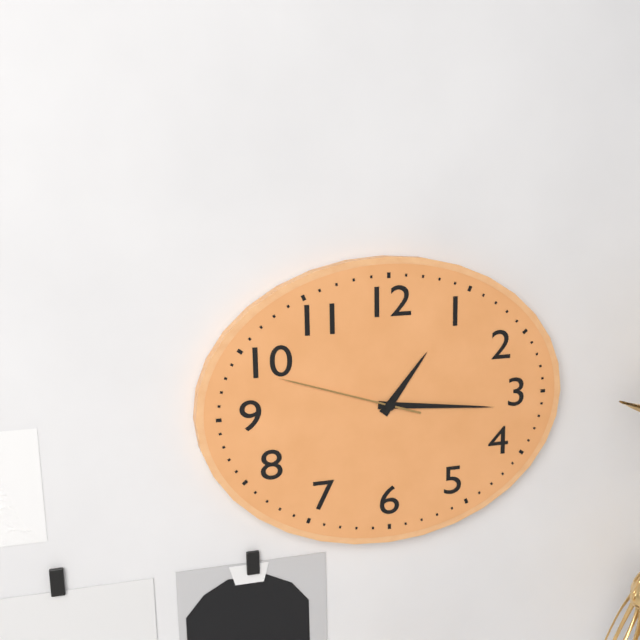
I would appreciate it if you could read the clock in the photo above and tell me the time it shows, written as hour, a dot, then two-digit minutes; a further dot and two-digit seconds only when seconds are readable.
1.16.48
